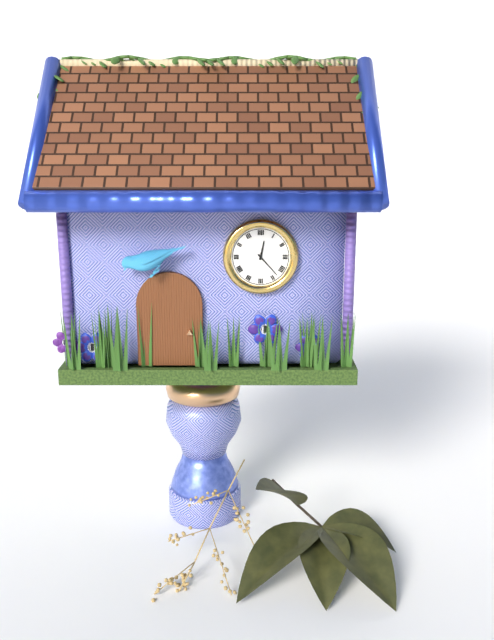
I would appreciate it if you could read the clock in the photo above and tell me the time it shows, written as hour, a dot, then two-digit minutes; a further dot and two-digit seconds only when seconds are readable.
12.23
